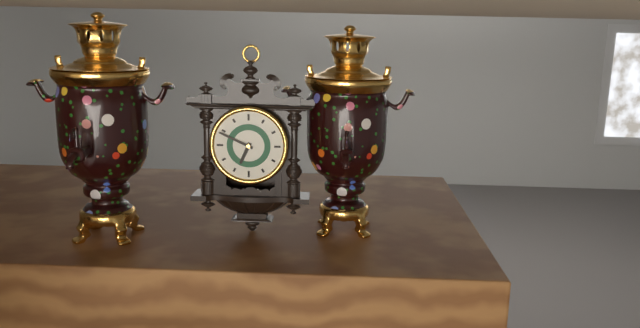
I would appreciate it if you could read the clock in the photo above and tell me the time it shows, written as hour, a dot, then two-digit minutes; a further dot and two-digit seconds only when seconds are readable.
6.49
